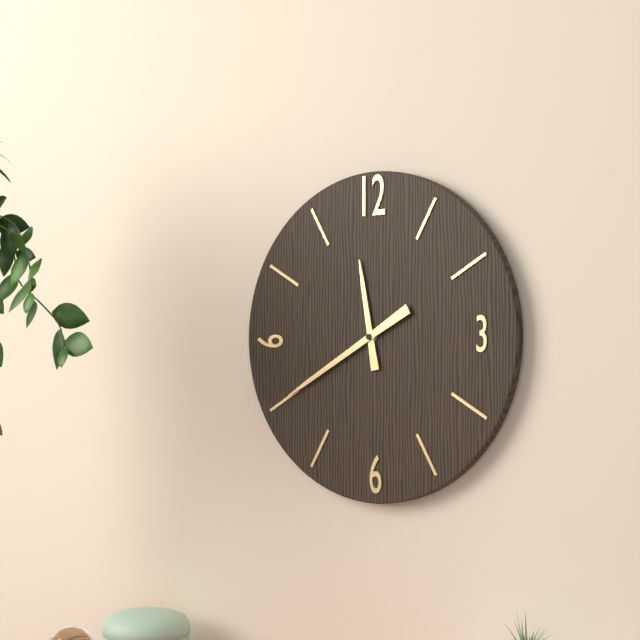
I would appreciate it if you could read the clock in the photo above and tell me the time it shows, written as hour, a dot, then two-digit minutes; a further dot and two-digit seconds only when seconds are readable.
11.40
